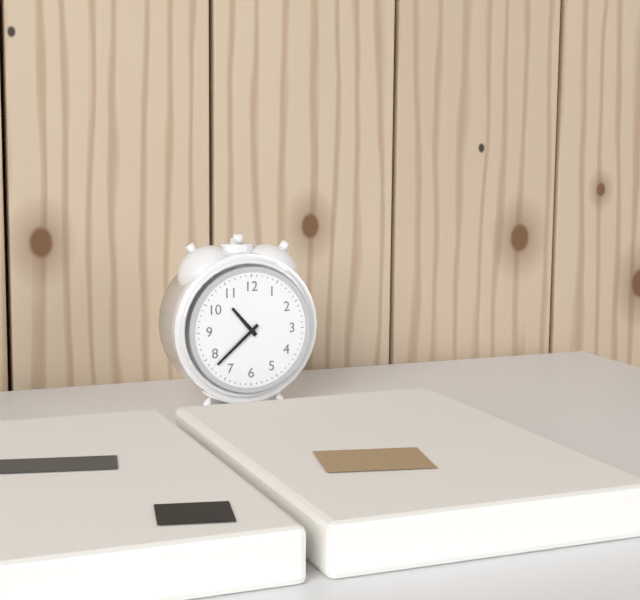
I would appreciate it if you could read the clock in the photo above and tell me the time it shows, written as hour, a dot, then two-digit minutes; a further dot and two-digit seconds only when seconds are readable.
10.38
